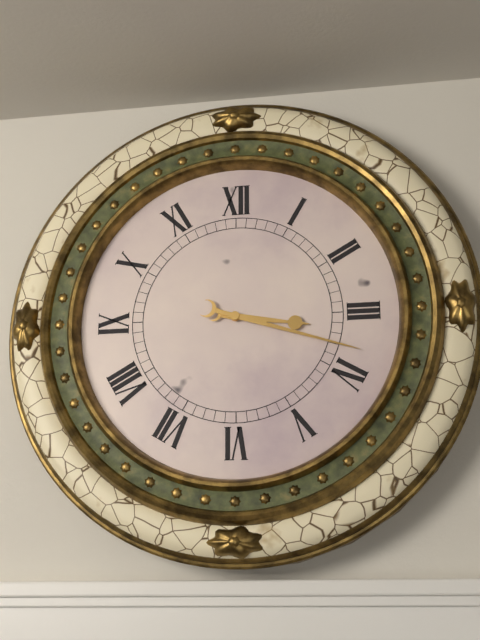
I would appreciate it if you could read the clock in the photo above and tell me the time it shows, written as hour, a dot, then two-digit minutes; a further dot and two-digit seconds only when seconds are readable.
3.18
